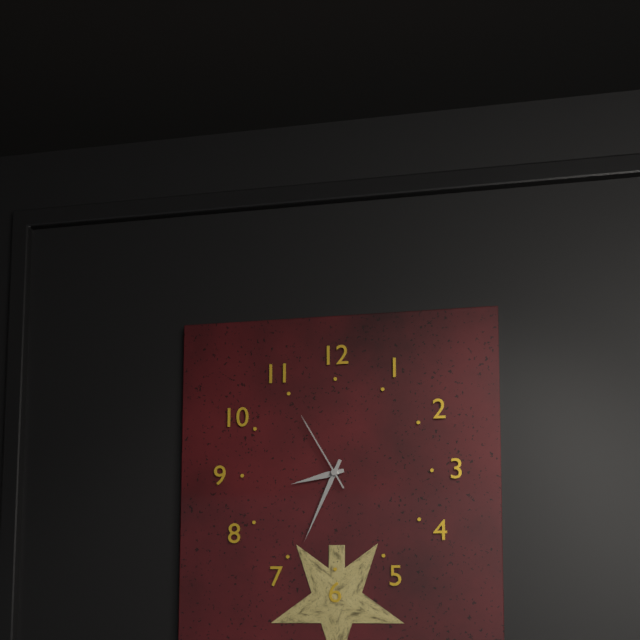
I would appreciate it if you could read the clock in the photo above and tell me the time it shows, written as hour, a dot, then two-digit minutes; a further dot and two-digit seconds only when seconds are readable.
8.34.55
